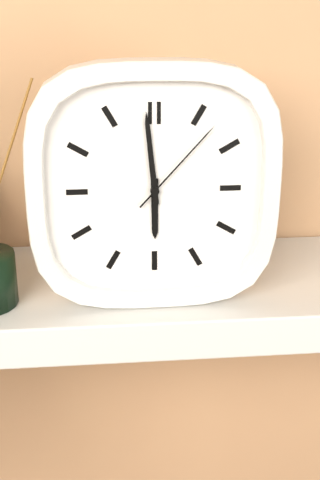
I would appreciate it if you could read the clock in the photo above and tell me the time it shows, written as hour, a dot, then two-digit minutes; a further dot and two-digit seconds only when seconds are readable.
5.59.07
